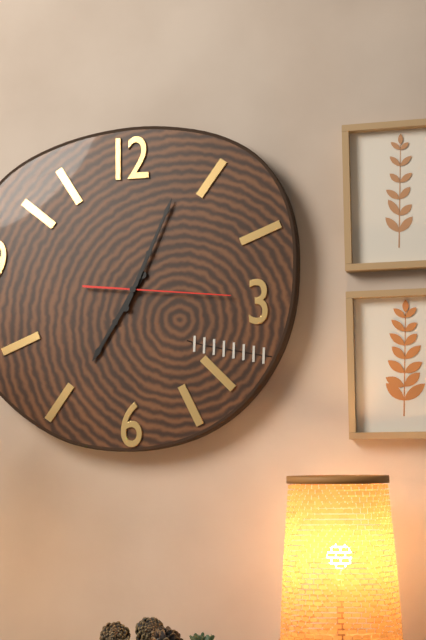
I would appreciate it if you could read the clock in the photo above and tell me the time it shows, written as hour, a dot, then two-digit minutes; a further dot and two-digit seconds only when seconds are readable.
7.04.16
